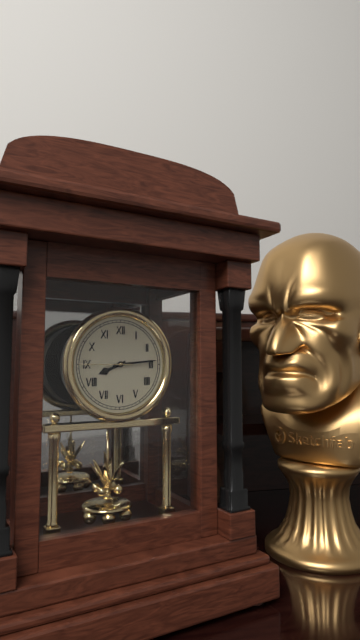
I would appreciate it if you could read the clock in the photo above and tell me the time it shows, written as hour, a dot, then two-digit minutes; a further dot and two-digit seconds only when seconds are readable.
8.14.45
